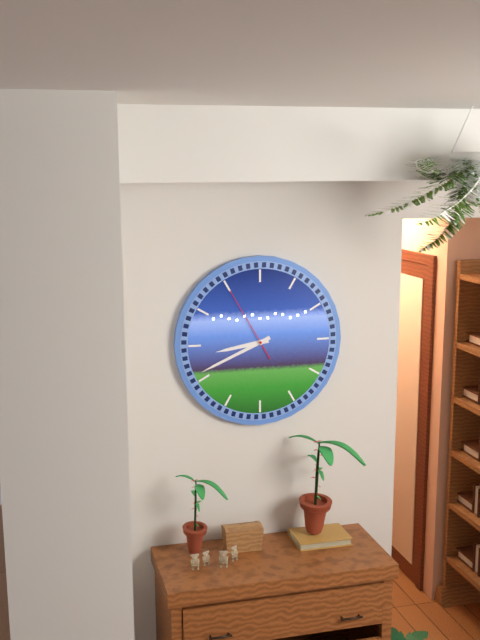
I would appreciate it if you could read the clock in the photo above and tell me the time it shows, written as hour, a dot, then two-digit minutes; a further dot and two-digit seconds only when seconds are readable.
8.41.55
